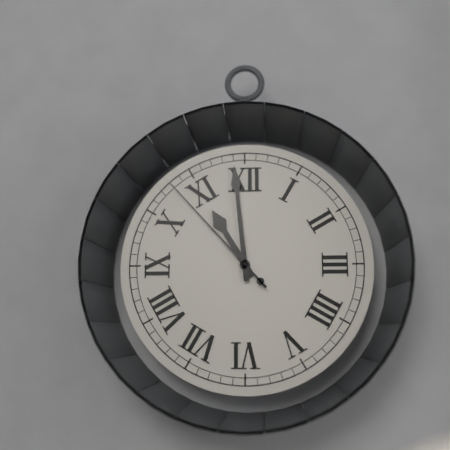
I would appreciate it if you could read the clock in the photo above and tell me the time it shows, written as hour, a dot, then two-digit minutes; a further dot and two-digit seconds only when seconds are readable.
10.59.53
